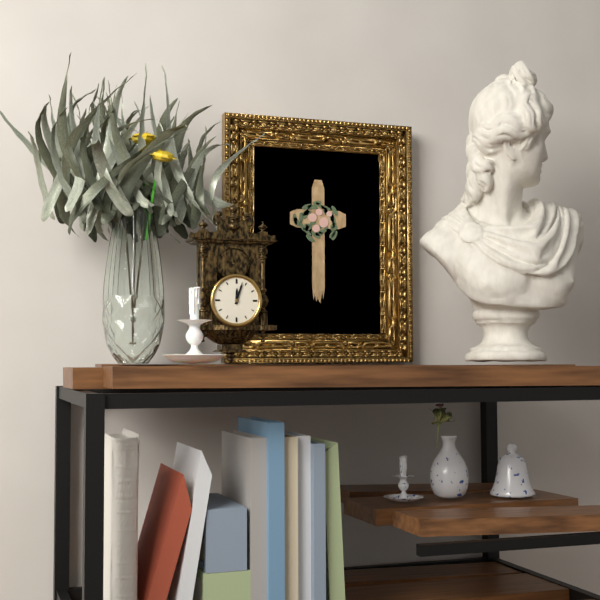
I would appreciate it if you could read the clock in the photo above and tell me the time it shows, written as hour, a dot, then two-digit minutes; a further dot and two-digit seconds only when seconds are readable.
12.03
